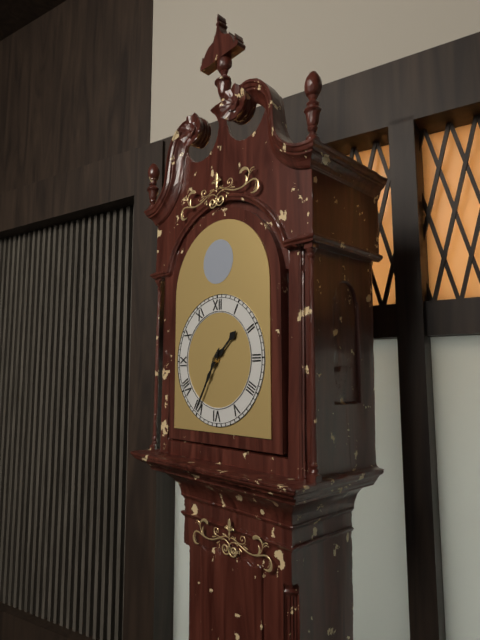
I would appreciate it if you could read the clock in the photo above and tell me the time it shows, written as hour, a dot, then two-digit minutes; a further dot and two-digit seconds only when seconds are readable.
1.35
